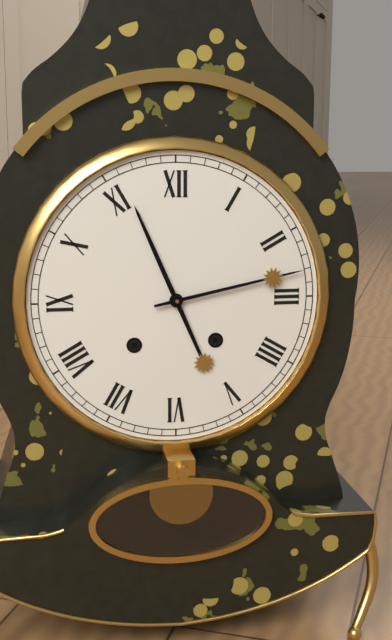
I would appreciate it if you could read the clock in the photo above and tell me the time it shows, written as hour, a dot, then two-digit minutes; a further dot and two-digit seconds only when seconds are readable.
11.13
